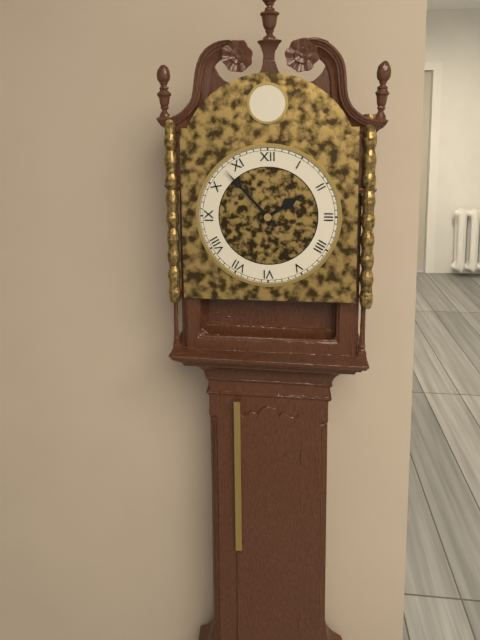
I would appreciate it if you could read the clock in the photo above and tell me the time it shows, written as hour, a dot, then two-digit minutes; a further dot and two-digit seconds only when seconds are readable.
1.53
